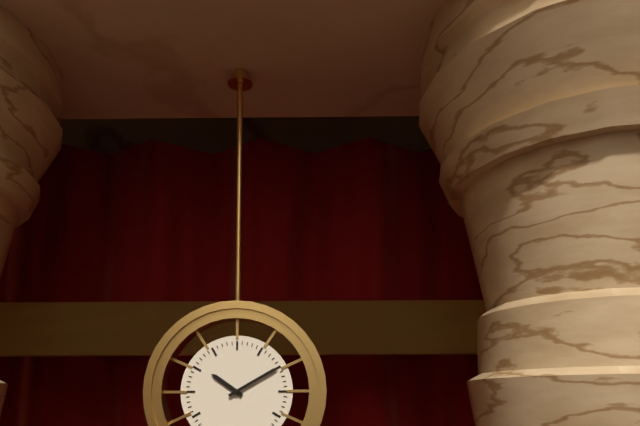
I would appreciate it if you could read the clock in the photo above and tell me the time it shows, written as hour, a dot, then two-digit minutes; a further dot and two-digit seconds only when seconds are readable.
10.10
